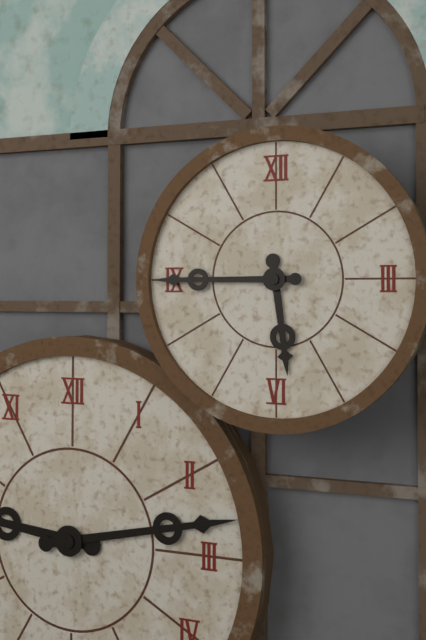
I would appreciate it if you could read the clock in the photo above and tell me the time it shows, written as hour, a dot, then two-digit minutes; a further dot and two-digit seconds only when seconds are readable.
5.45
